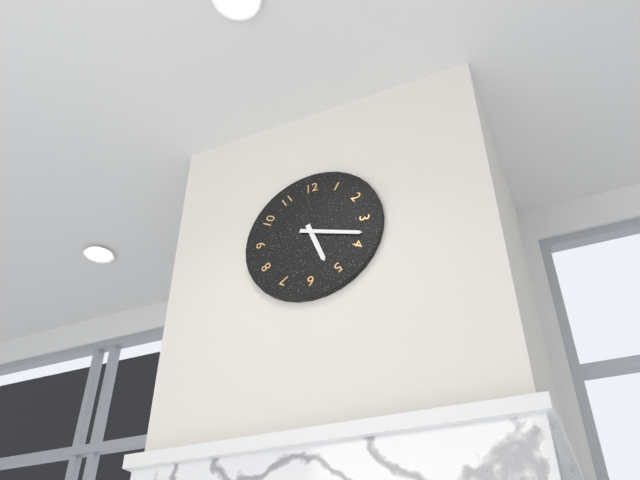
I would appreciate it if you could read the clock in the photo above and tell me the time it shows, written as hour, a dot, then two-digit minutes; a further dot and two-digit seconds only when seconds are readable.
5.18
